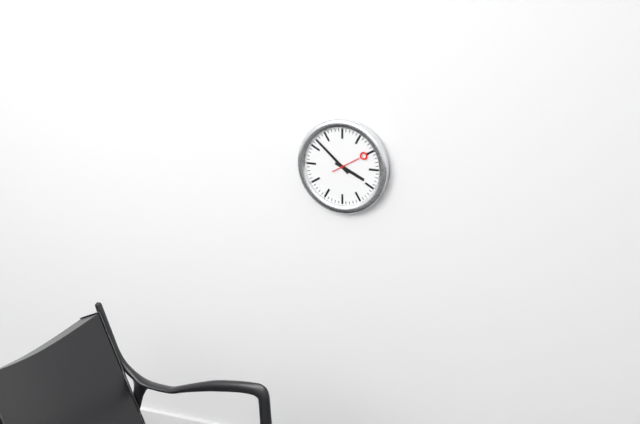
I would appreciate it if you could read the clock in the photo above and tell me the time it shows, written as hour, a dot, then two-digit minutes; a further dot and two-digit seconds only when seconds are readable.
3.52
